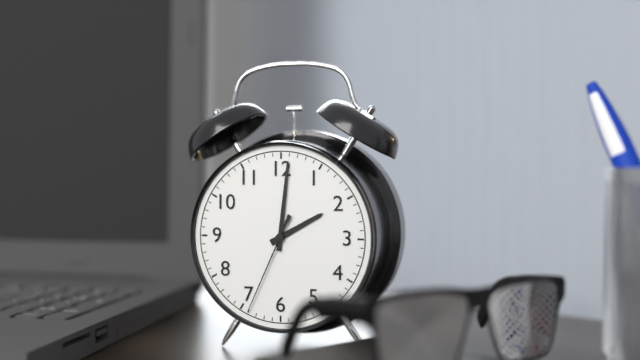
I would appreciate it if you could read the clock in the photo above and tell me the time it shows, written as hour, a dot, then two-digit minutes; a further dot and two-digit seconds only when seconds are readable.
2.01.34
